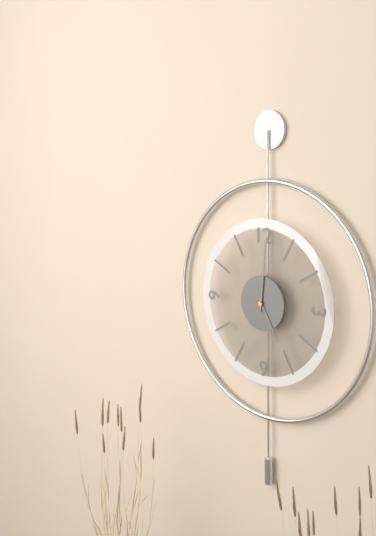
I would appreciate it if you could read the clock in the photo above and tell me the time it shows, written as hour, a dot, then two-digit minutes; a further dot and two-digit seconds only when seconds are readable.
5.01
